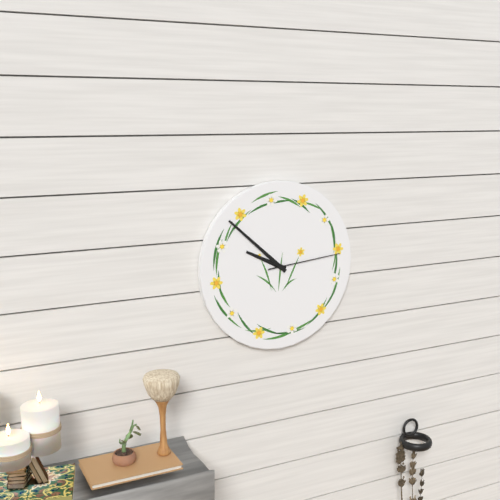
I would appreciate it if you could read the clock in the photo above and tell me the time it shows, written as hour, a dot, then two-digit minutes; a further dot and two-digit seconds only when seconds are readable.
9.52.14
